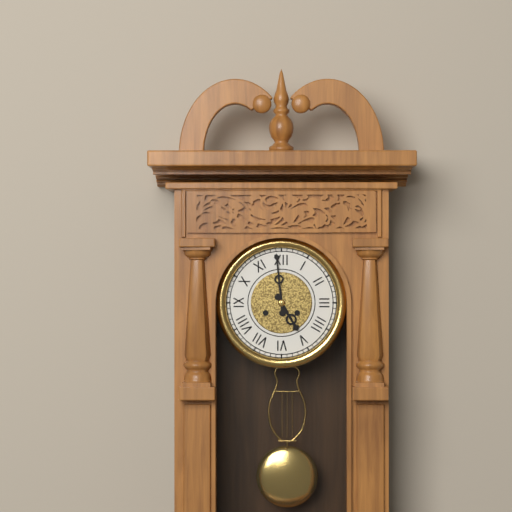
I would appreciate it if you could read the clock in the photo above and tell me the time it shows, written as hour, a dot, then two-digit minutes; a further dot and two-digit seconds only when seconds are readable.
4.59
